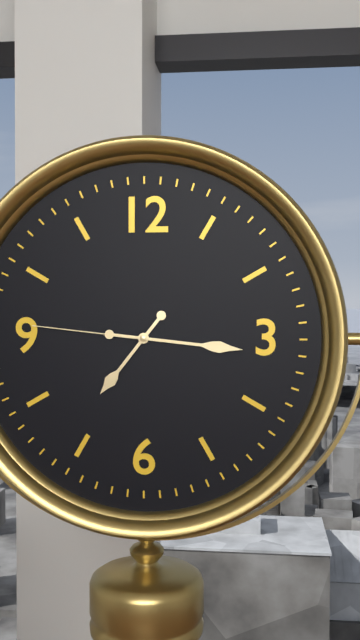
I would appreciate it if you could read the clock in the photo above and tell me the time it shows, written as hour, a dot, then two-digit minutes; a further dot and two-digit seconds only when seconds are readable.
7.16.46
